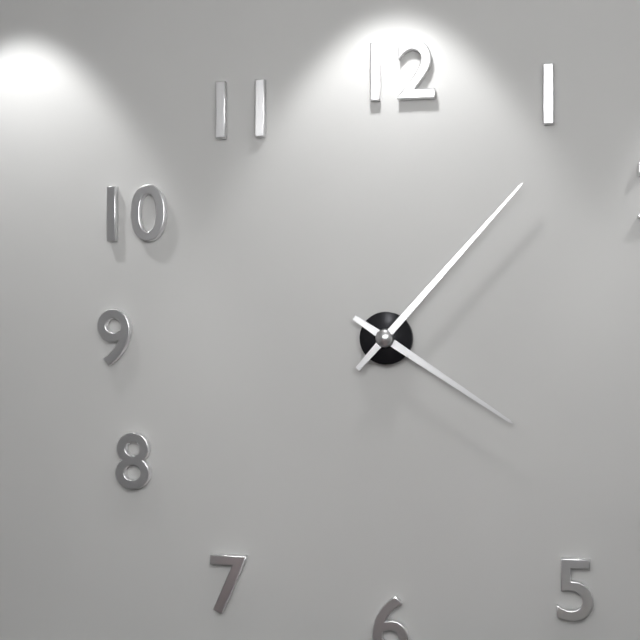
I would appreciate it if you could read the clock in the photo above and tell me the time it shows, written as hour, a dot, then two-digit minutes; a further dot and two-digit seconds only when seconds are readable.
4.07
